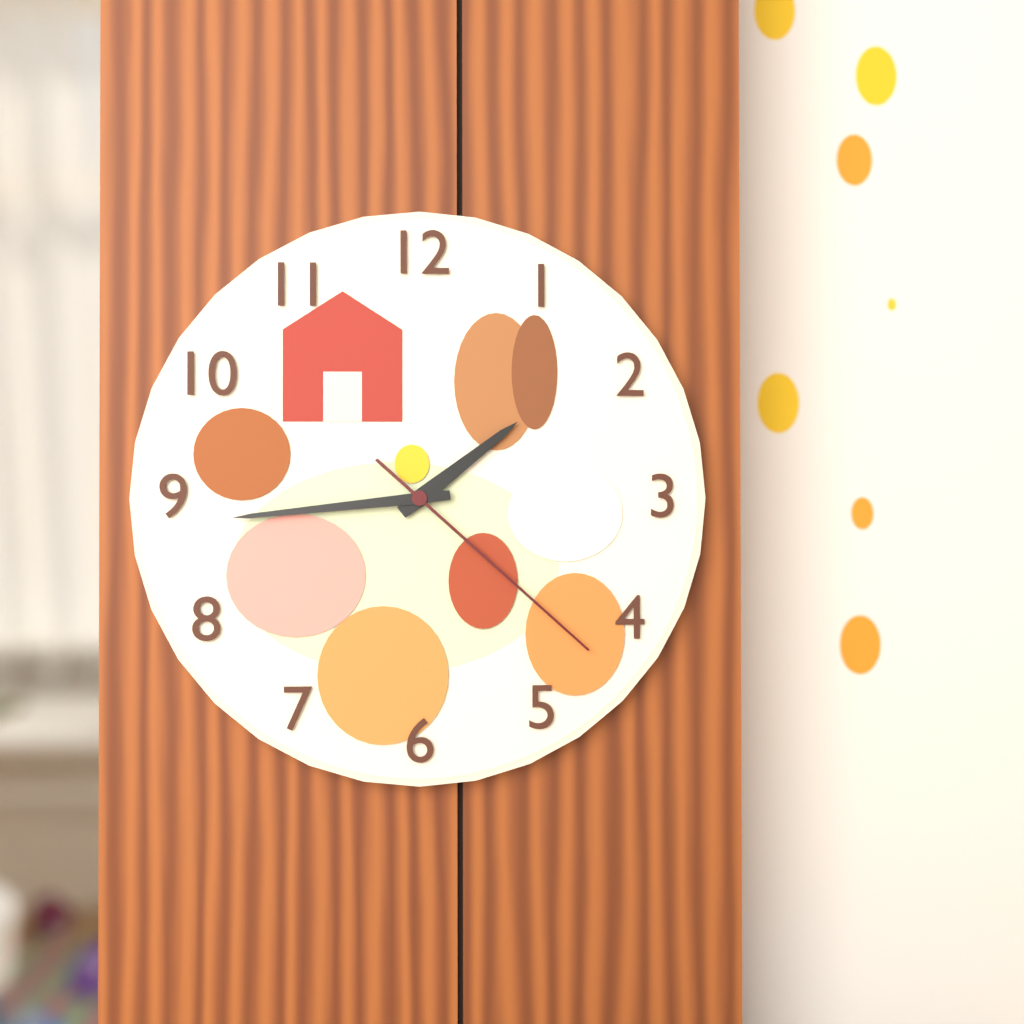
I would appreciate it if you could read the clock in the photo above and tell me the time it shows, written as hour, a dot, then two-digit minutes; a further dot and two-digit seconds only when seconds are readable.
1.44.22
